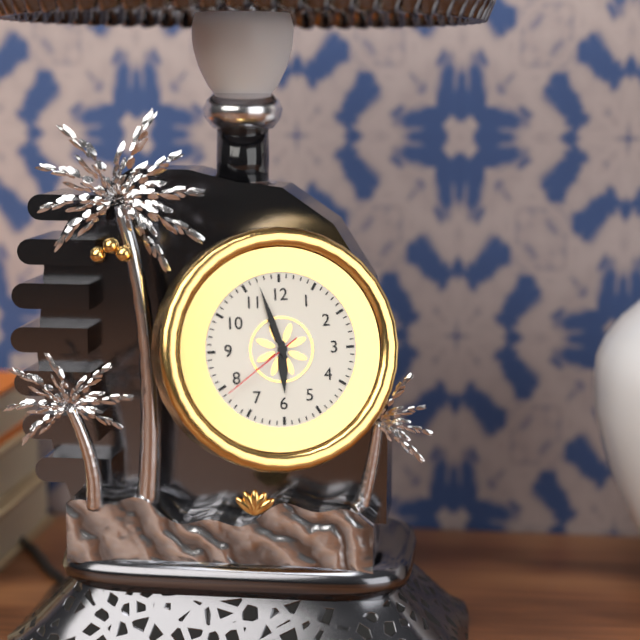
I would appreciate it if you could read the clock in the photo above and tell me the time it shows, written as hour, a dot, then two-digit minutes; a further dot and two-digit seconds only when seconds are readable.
5.57.39
